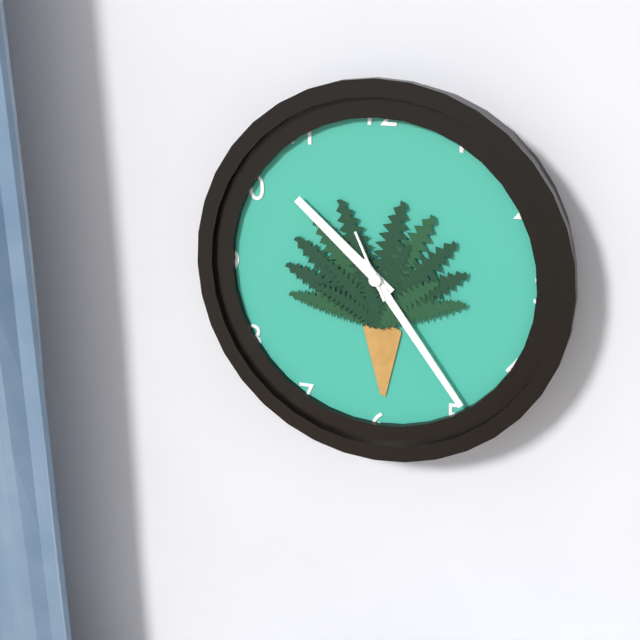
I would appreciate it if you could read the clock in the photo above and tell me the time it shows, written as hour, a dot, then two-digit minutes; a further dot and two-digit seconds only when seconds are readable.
10.24.56
